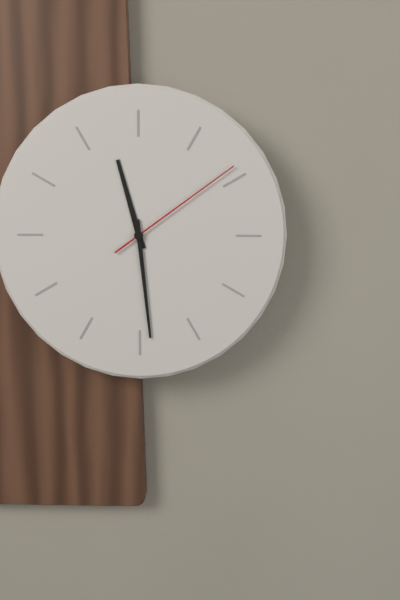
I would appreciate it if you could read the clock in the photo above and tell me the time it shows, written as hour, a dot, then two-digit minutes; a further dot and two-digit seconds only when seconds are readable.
11.29.09
